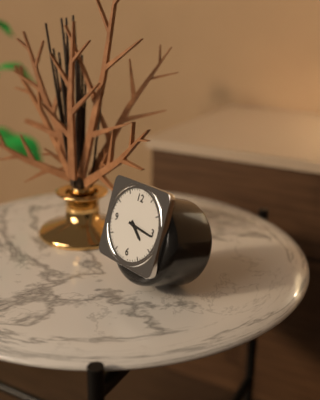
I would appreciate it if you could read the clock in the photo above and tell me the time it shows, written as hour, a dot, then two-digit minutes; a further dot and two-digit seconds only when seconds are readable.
4.16
